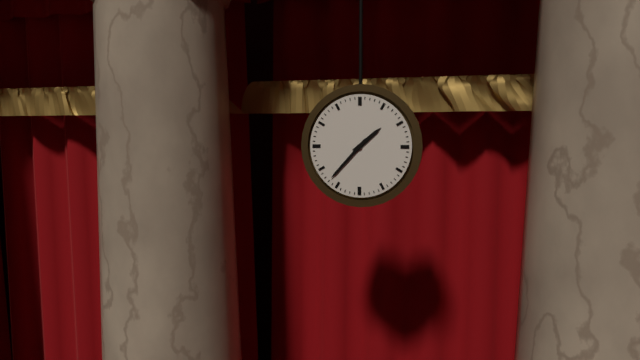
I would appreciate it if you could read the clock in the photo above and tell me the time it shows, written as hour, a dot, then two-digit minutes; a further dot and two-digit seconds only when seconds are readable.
1.37
